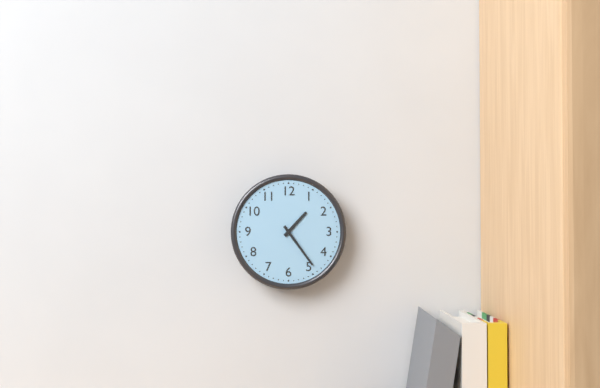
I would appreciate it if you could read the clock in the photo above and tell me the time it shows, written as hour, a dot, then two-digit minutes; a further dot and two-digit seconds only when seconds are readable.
1.24
